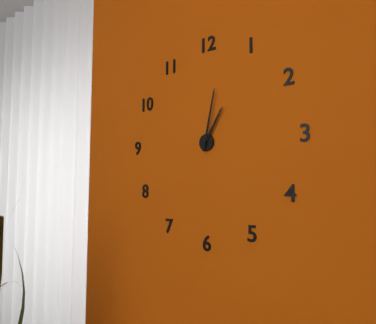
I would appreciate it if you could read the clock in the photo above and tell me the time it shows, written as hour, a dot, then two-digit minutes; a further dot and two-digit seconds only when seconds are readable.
1.02
